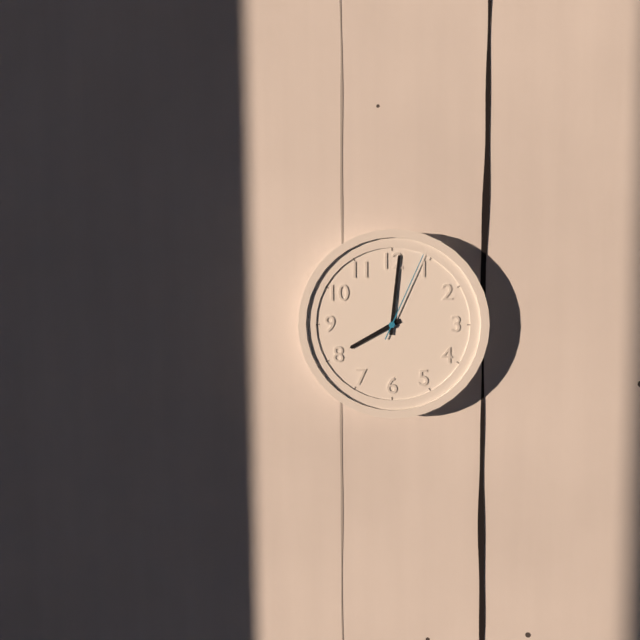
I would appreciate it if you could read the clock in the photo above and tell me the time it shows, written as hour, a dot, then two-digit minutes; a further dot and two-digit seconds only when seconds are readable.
8.01.04
